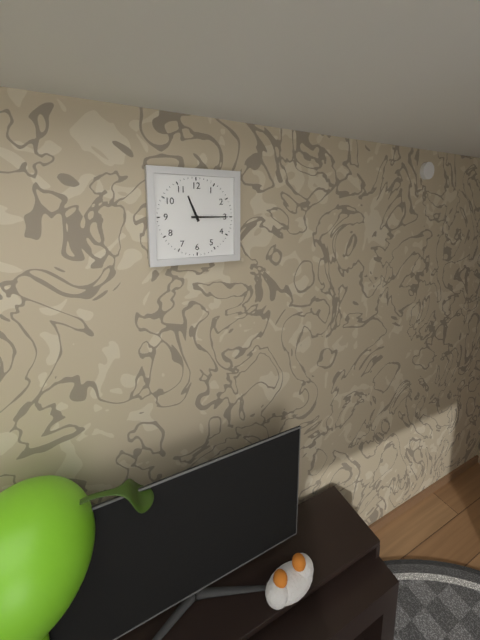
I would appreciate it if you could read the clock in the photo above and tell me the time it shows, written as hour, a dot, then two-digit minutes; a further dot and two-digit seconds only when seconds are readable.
11.15
